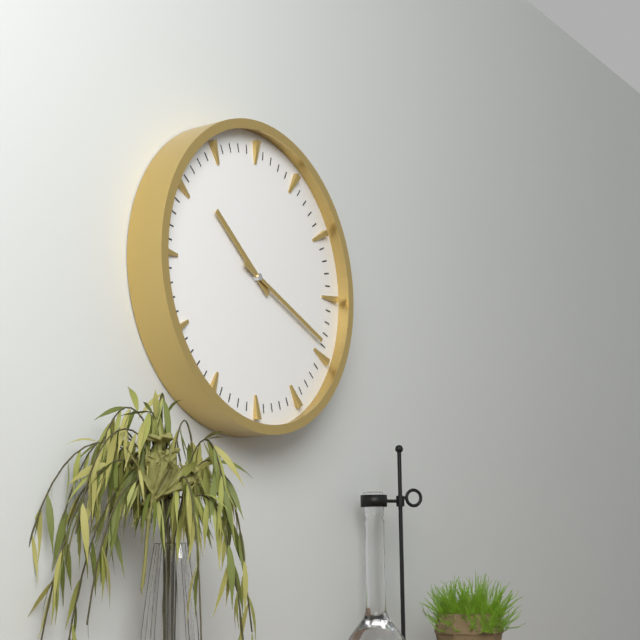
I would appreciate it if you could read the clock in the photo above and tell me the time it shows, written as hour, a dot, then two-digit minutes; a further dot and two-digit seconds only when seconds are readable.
10.19
